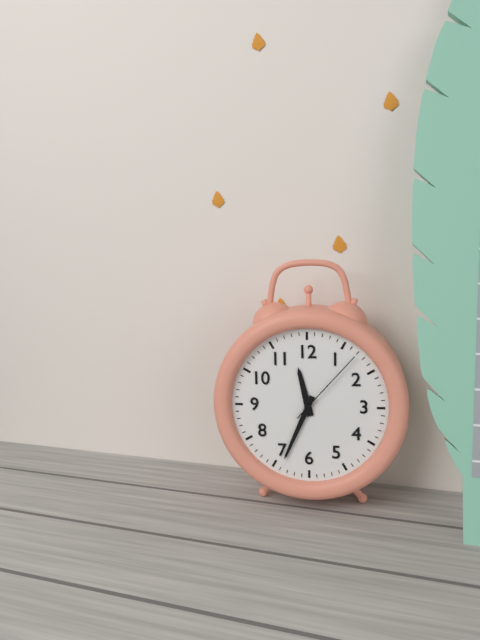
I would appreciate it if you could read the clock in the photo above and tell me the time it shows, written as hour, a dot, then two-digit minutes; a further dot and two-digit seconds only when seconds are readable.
11.34.07
